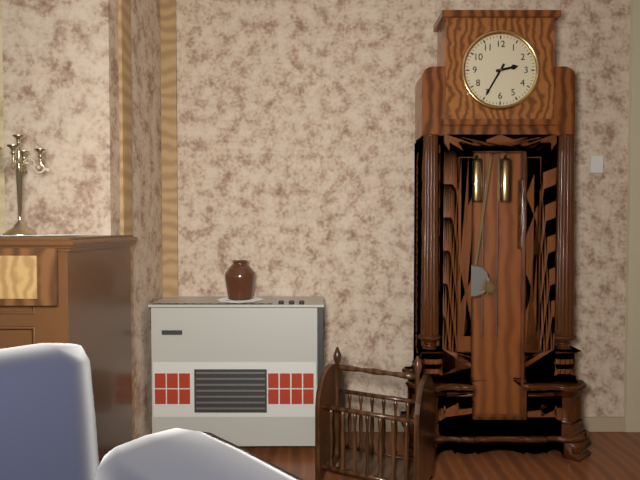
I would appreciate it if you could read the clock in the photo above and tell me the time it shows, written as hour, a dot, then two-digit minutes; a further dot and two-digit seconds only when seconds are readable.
2.35
